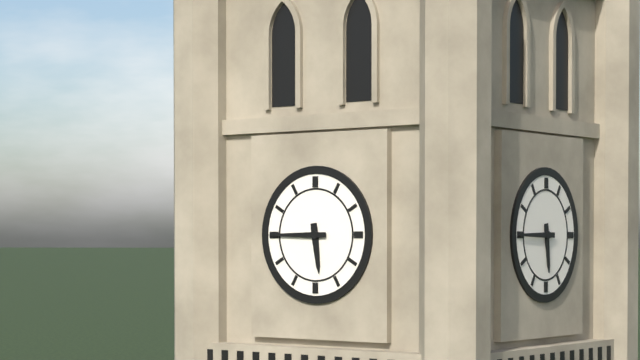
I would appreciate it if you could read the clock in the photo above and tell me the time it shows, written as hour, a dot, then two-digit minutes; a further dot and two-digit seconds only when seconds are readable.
5.45
